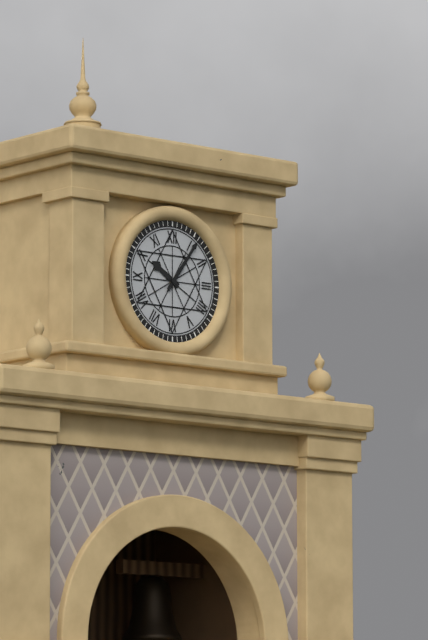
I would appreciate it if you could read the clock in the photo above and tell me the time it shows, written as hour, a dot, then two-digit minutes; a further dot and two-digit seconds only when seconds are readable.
10.06
